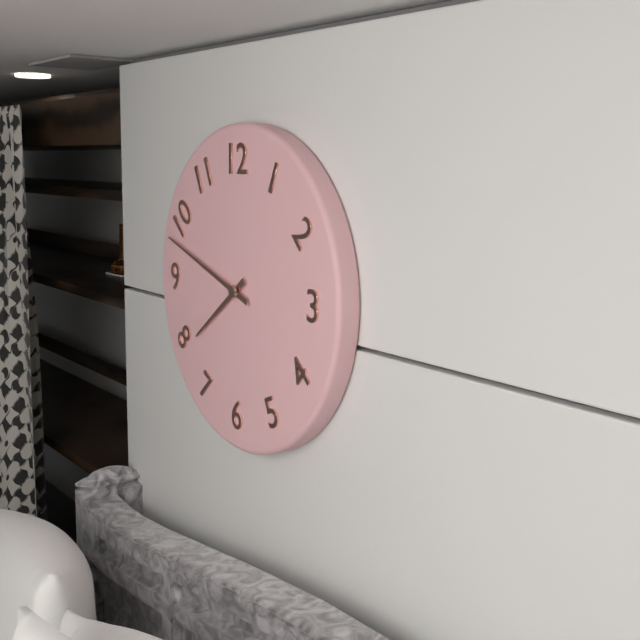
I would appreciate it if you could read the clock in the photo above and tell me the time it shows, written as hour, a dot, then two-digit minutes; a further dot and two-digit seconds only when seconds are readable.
7.48
